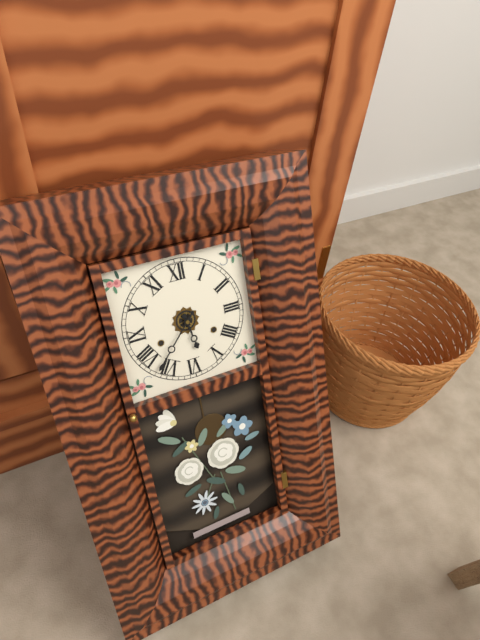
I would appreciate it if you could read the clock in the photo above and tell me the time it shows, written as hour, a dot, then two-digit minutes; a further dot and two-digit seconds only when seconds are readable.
5.37
